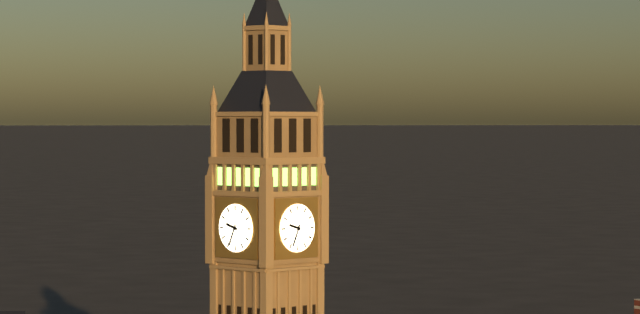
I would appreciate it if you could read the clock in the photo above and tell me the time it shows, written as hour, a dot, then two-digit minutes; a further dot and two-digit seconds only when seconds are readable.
9.34
